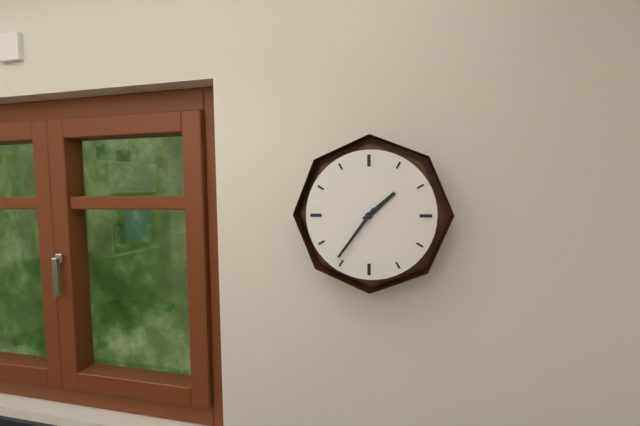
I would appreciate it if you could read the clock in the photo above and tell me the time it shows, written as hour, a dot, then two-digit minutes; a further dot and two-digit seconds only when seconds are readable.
1.36
